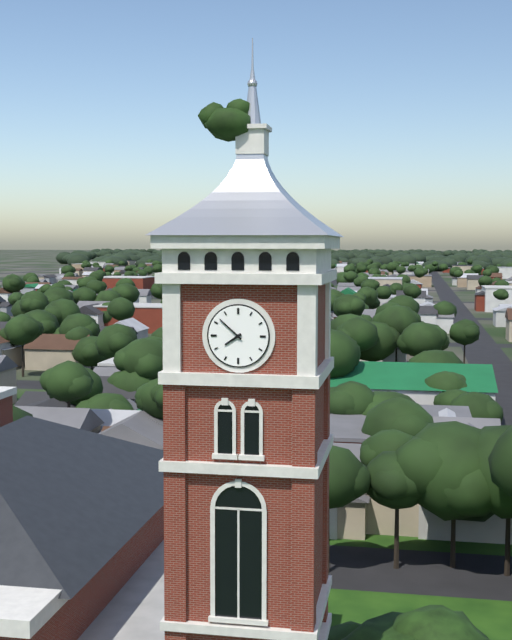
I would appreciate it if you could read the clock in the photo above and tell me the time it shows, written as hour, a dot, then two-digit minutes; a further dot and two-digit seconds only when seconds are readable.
7.52
